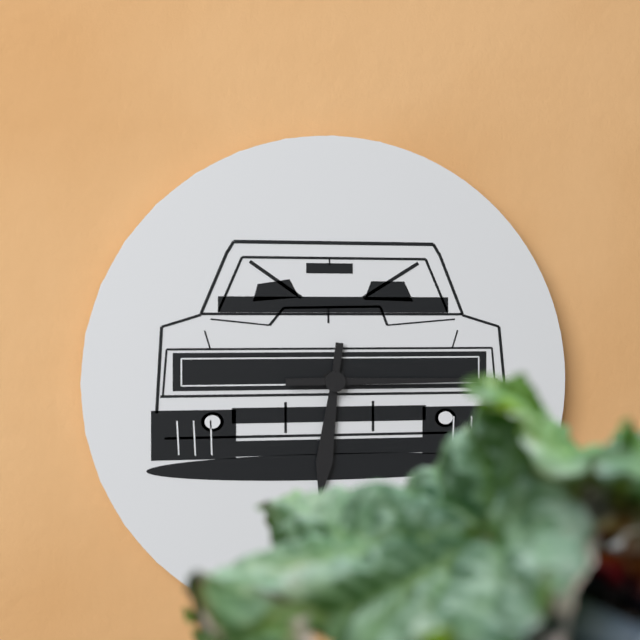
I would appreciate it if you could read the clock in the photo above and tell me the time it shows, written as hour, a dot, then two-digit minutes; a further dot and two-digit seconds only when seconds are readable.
6.15
